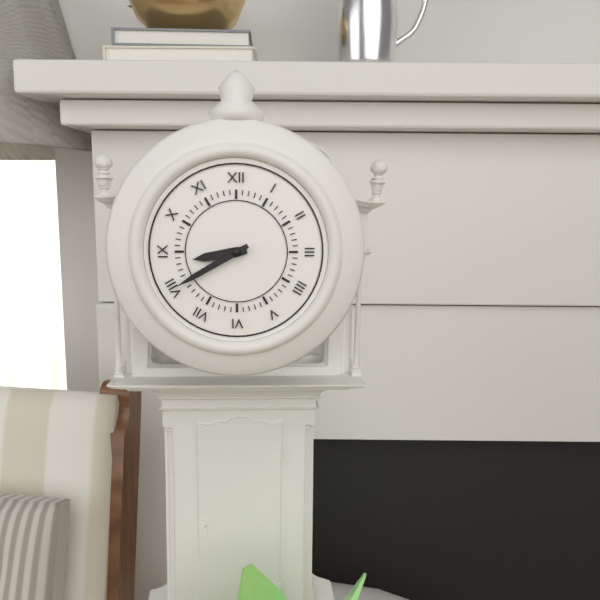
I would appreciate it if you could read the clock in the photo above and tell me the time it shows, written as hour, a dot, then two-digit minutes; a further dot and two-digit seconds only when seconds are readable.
8.40
